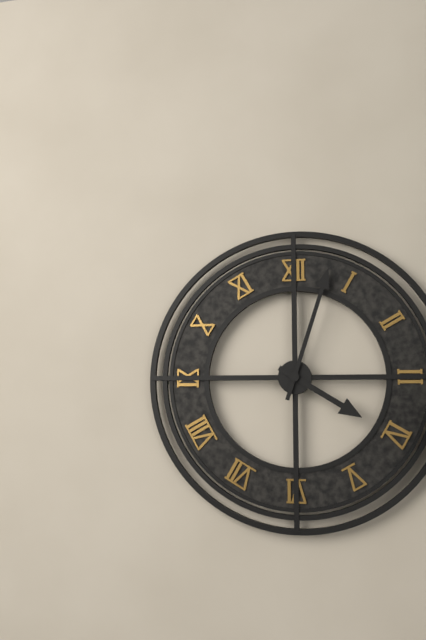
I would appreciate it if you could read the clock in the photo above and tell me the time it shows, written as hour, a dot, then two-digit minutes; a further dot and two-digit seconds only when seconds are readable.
4.03
